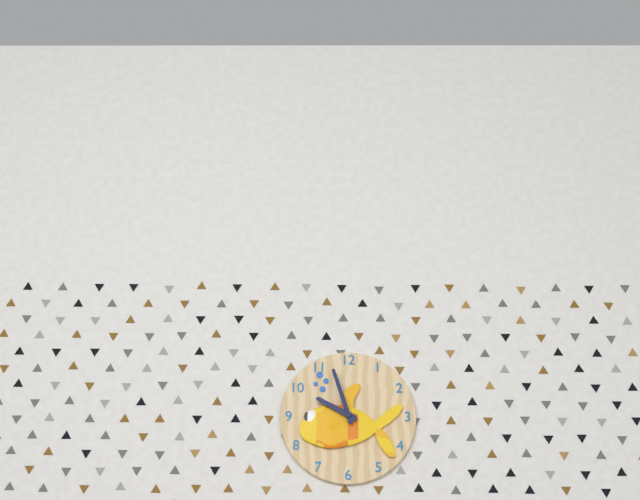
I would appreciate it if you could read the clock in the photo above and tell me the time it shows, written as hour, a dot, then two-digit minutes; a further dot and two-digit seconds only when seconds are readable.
9.57
